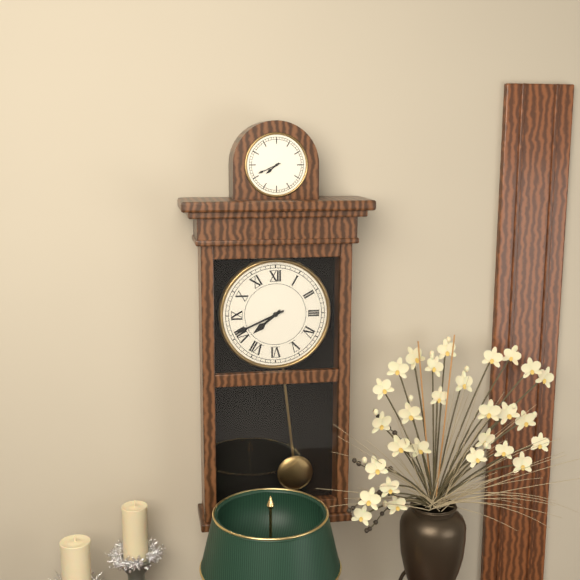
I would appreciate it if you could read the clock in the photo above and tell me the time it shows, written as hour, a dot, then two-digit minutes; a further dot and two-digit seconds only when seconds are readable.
7.41
